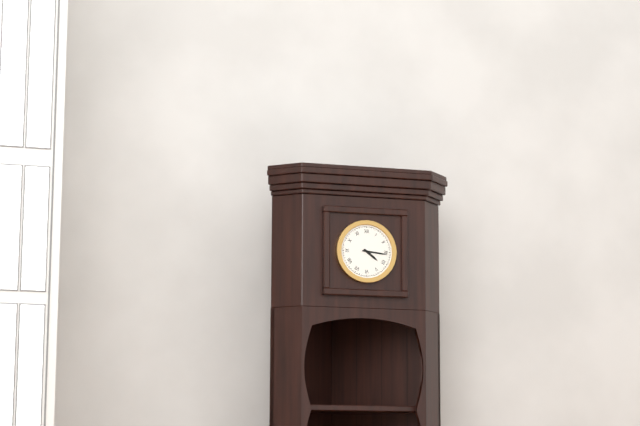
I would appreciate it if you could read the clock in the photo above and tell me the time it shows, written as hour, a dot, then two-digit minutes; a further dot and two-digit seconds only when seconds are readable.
4.16
